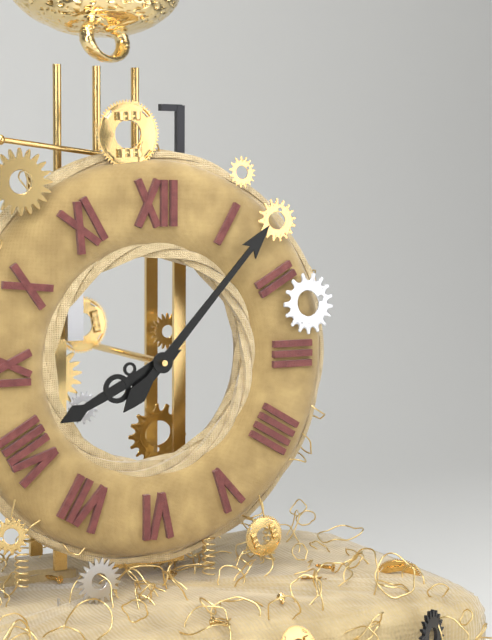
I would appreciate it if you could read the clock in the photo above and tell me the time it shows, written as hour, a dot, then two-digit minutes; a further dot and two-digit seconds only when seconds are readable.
8.07
